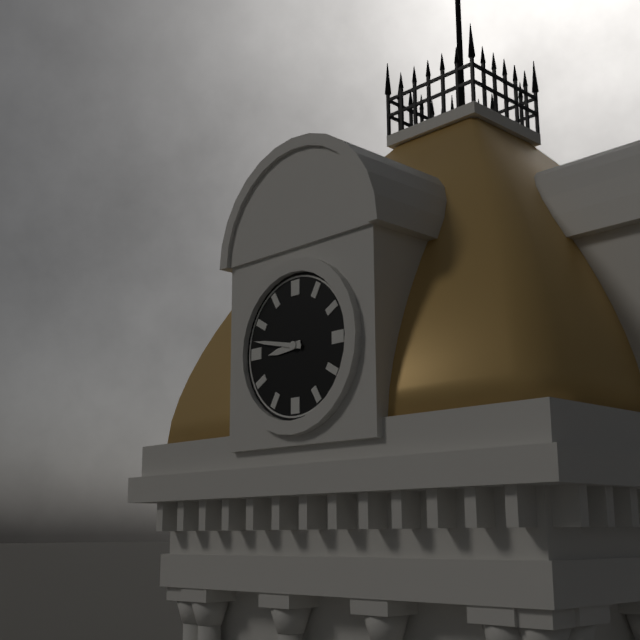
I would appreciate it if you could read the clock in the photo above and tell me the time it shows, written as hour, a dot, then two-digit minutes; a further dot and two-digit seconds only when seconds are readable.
8.47
